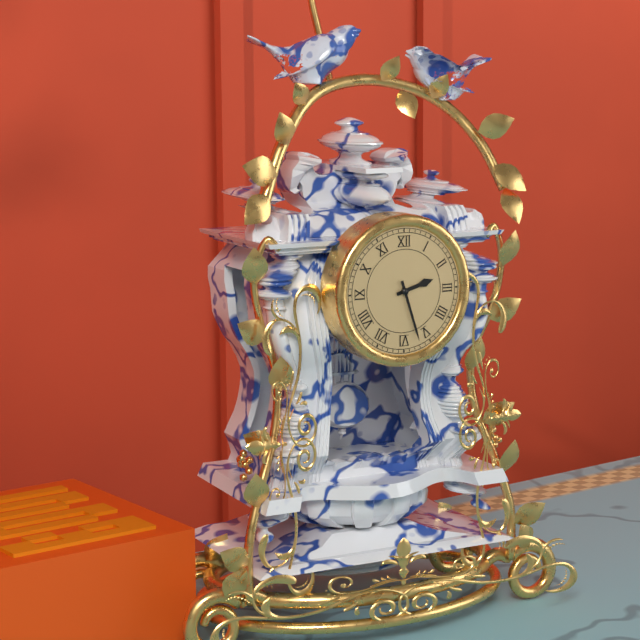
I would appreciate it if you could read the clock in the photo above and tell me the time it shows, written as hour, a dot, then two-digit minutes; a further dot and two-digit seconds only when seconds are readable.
2.27
